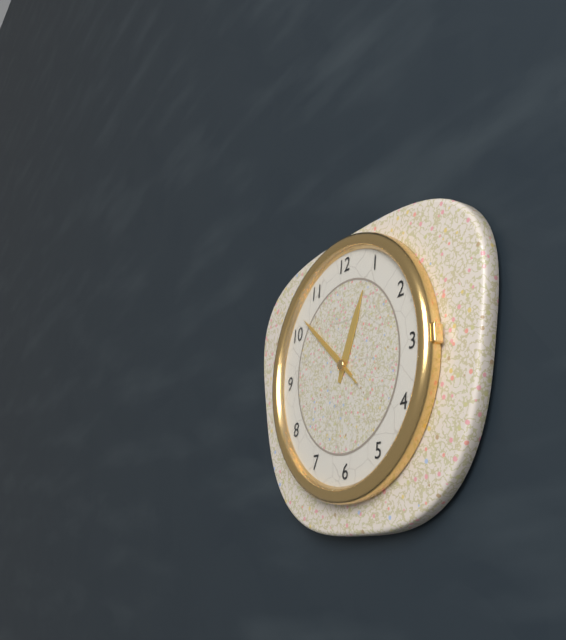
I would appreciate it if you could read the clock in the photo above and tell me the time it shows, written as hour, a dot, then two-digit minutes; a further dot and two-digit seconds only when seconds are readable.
12.52.52
